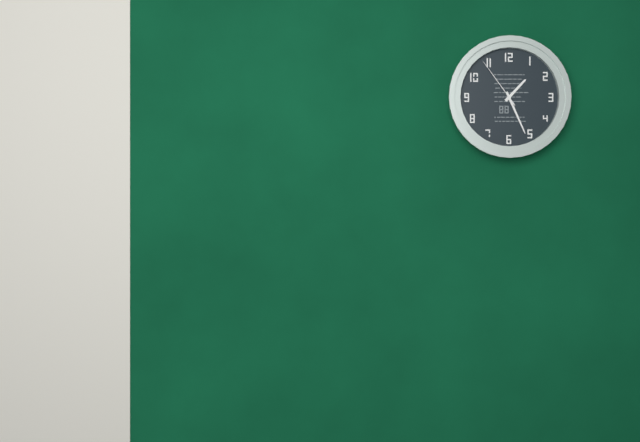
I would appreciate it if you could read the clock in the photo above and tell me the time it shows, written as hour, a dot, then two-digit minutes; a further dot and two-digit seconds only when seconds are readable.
1.26.54
